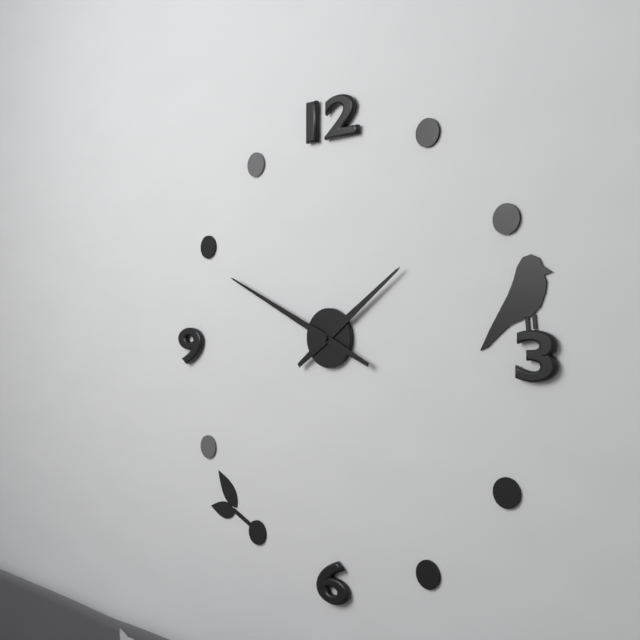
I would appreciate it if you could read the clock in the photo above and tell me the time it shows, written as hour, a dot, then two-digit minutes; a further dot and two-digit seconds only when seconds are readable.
1.49
